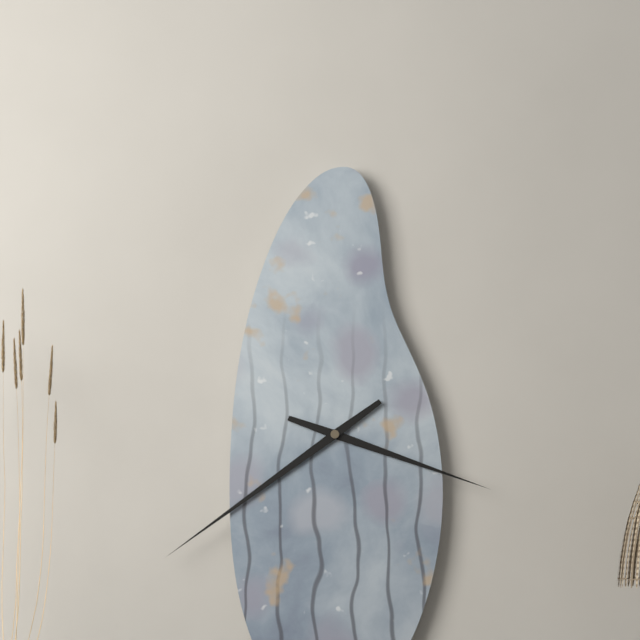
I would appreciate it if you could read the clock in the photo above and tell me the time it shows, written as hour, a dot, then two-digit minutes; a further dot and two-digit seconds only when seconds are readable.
3.39
